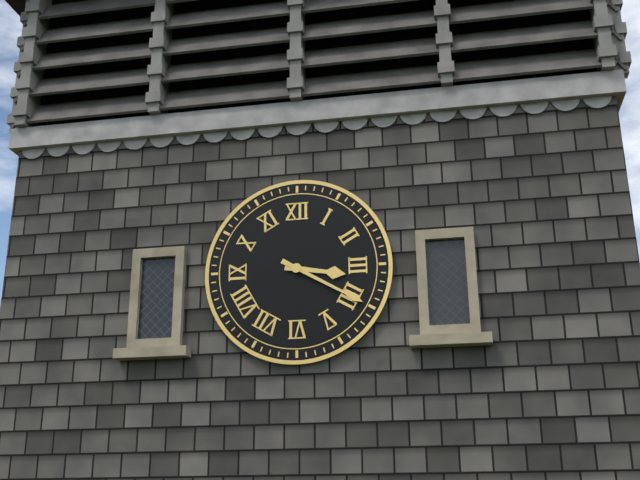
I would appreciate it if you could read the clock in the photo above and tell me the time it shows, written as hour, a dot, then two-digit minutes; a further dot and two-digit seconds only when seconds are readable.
3.20
